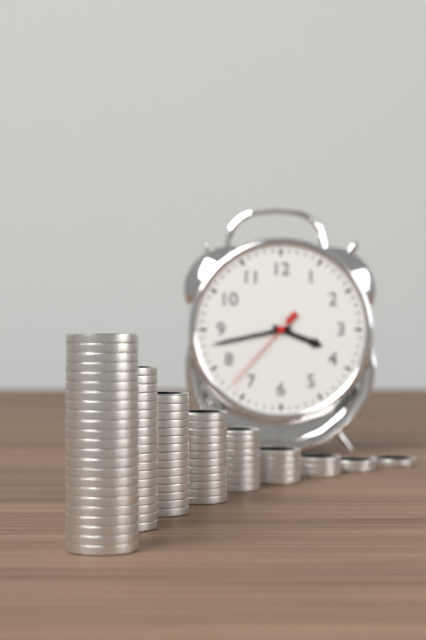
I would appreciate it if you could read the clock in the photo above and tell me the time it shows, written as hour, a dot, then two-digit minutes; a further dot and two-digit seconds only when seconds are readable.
3.43.37
